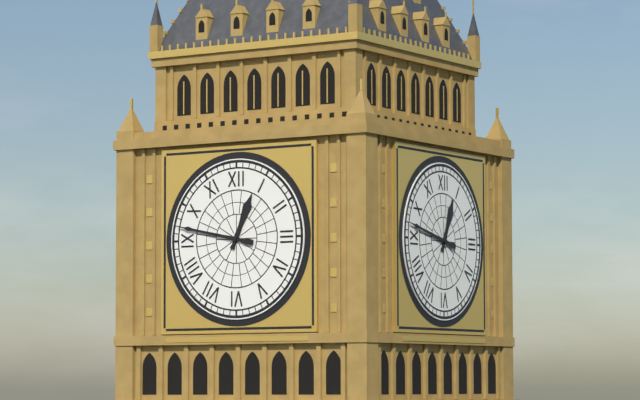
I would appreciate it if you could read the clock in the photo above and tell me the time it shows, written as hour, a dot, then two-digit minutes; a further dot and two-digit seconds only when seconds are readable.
12.47
